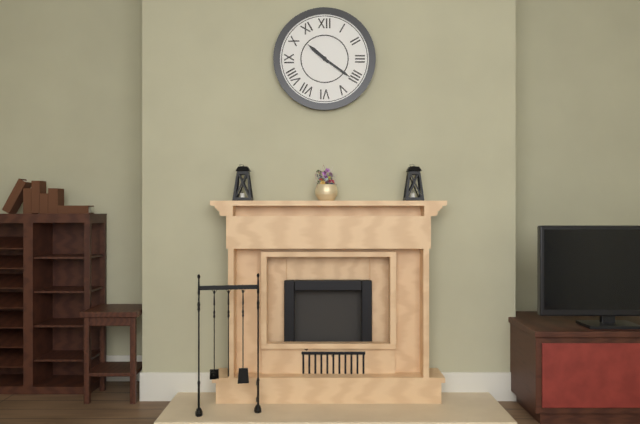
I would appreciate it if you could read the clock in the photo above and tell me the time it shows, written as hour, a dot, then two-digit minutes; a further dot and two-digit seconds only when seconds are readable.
10.21
